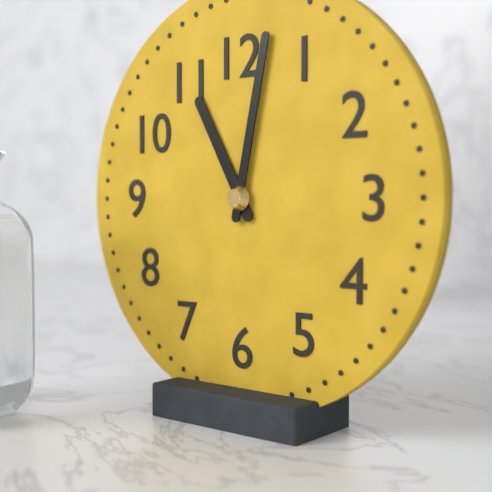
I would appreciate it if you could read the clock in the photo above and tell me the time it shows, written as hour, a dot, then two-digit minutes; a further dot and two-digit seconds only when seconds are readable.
11.02
